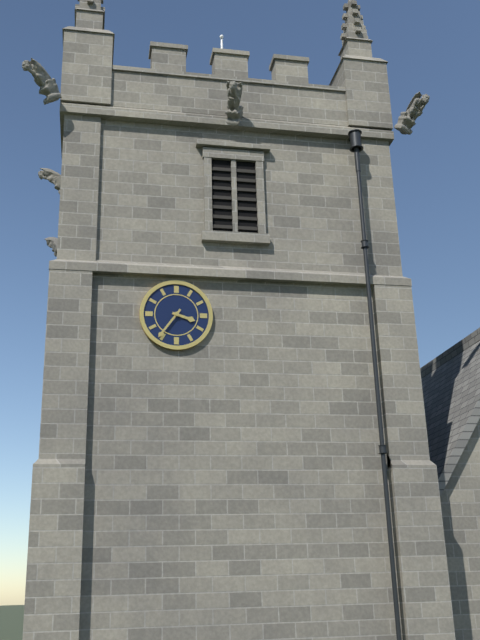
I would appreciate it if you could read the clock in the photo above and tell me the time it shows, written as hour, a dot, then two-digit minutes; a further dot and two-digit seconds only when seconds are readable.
3.36
